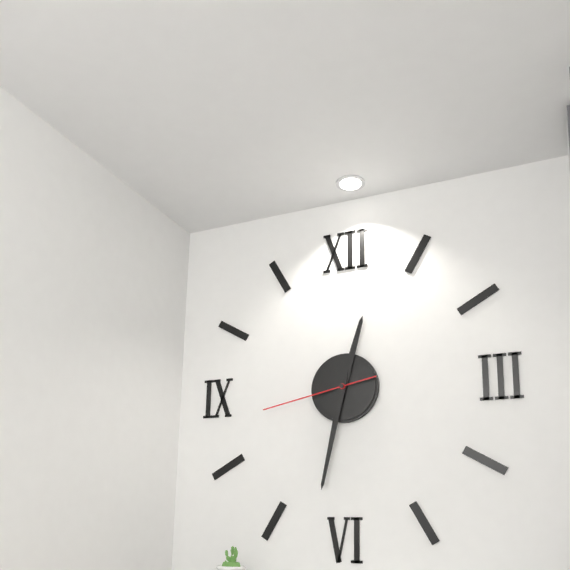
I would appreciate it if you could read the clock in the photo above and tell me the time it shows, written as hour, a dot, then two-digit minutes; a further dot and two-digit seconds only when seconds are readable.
12.32.43
